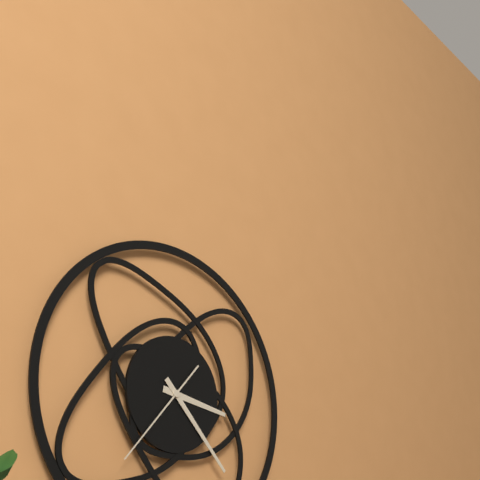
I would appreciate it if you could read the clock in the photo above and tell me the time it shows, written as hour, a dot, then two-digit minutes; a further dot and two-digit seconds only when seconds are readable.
3.23.37
